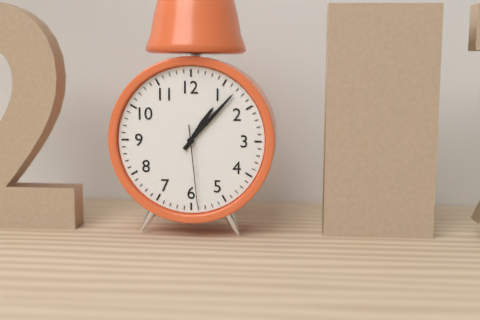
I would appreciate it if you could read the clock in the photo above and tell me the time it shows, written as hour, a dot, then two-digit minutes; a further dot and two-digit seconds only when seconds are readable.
1.07.29
